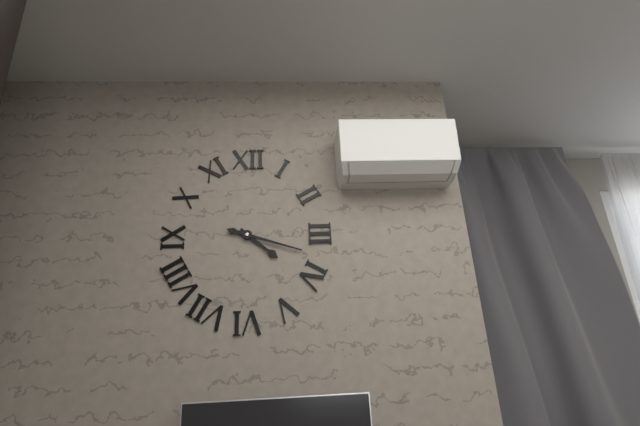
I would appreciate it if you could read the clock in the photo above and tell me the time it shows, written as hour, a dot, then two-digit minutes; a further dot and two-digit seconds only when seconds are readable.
4.18
